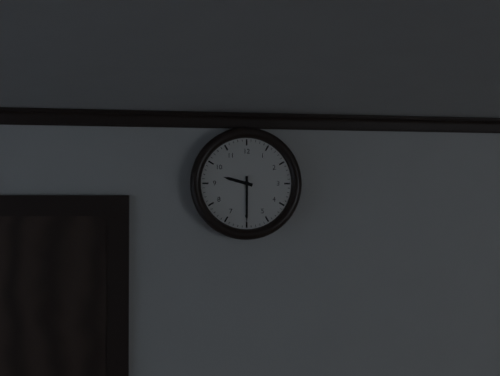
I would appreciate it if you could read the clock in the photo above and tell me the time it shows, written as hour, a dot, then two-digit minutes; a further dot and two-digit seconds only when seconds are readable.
9.30
